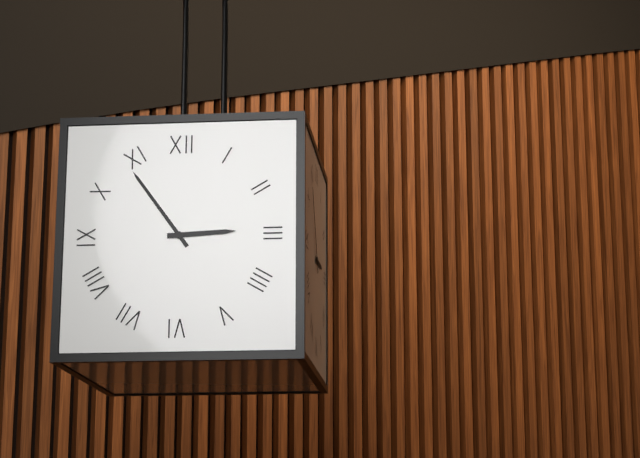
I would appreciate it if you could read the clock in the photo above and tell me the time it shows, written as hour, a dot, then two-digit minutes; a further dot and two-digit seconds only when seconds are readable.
2.54
